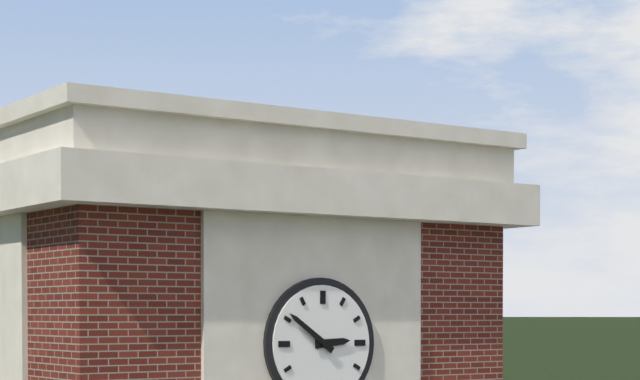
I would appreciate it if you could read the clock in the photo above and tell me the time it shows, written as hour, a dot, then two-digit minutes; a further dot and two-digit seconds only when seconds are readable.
2.51
